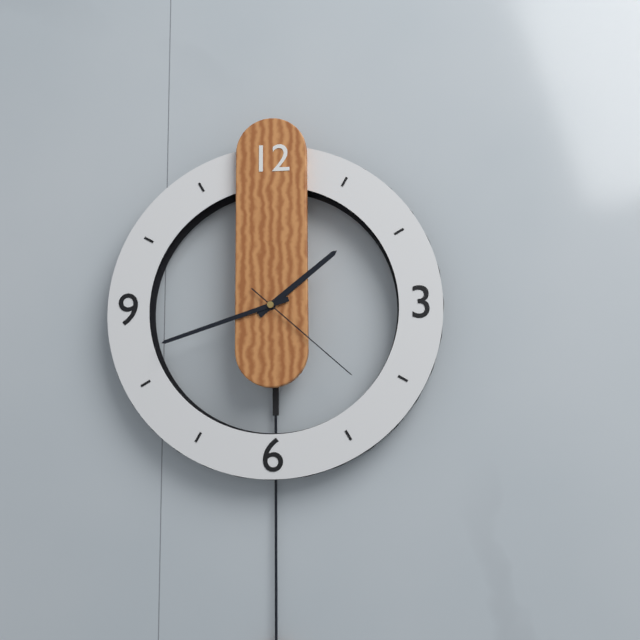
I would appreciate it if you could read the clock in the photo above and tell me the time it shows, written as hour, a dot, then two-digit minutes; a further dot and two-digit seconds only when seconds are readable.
1.42.22
